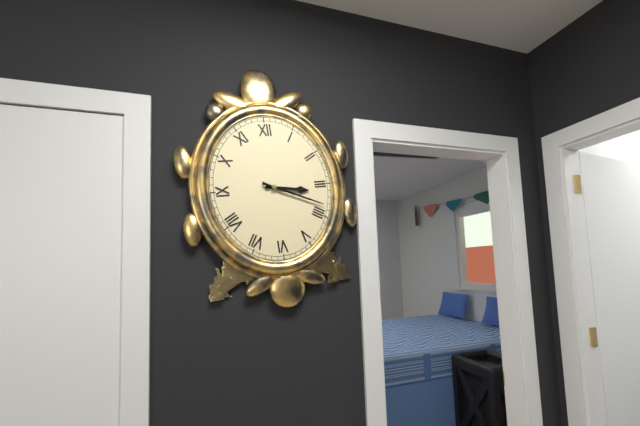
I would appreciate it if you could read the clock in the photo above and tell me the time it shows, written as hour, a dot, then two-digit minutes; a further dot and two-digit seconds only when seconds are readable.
3.19
